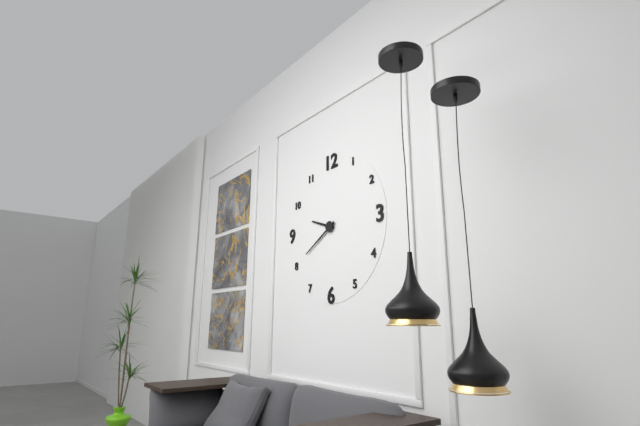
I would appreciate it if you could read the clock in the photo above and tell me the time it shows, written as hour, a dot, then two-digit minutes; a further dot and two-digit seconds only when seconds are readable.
9.40
